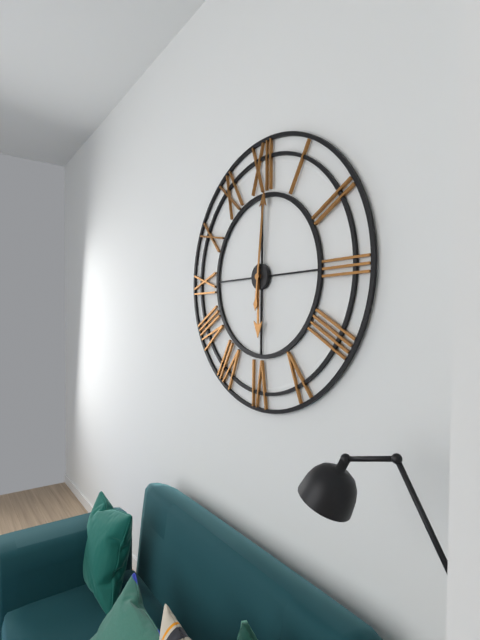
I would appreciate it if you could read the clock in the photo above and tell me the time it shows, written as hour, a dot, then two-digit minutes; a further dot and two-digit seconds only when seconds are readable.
6.01
